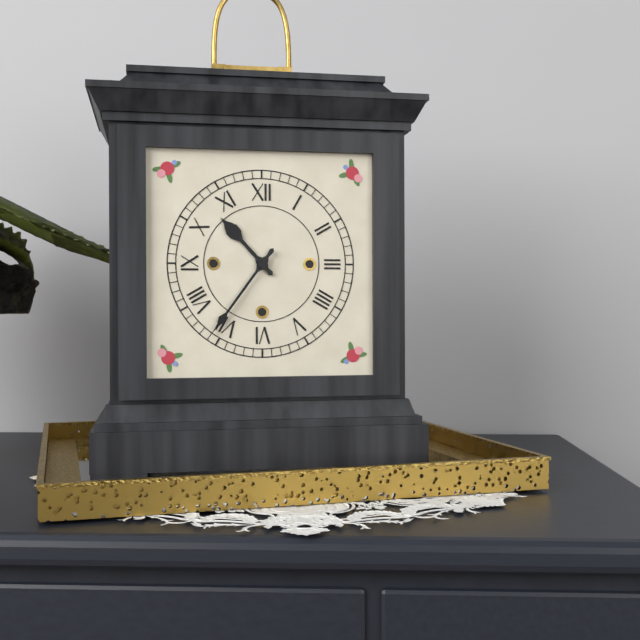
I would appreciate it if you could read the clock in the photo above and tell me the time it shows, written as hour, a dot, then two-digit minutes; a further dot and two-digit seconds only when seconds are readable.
10.36
